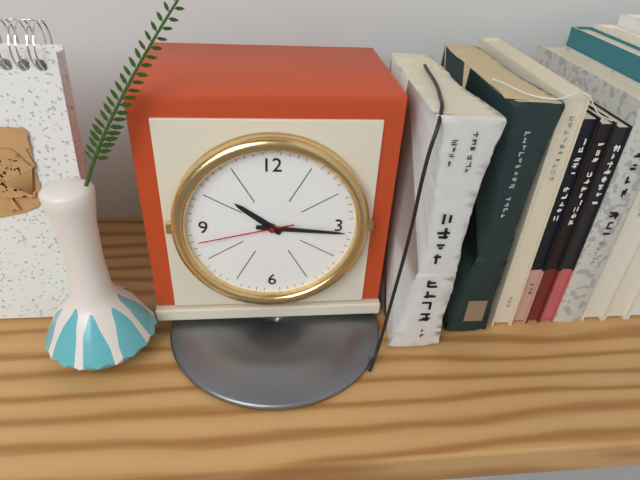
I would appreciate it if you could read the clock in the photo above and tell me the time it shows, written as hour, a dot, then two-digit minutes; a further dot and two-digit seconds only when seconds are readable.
10.16.43
